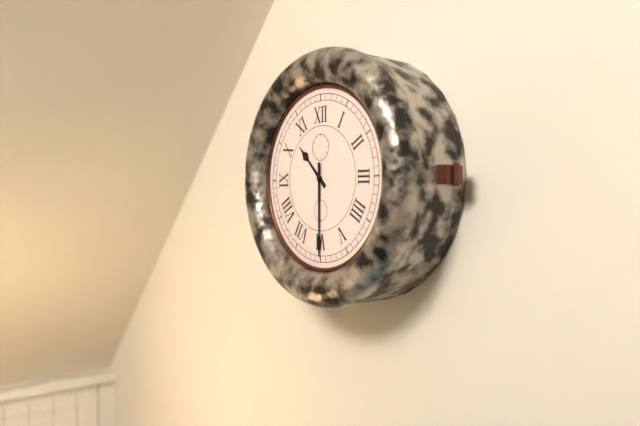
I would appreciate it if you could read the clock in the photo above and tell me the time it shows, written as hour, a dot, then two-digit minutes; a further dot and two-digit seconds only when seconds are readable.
10.30
